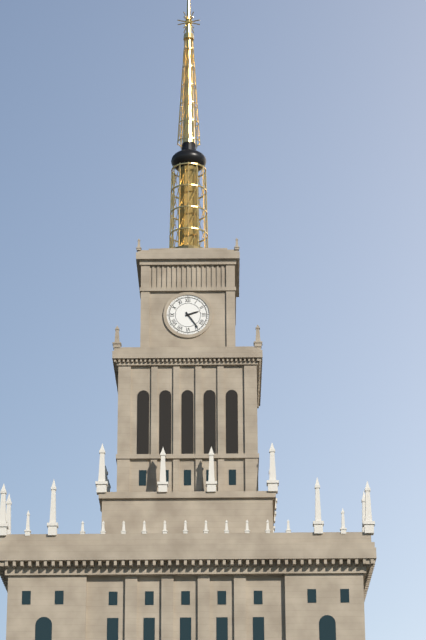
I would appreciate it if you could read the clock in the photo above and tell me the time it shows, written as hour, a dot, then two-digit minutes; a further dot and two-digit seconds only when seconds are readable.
2.24
